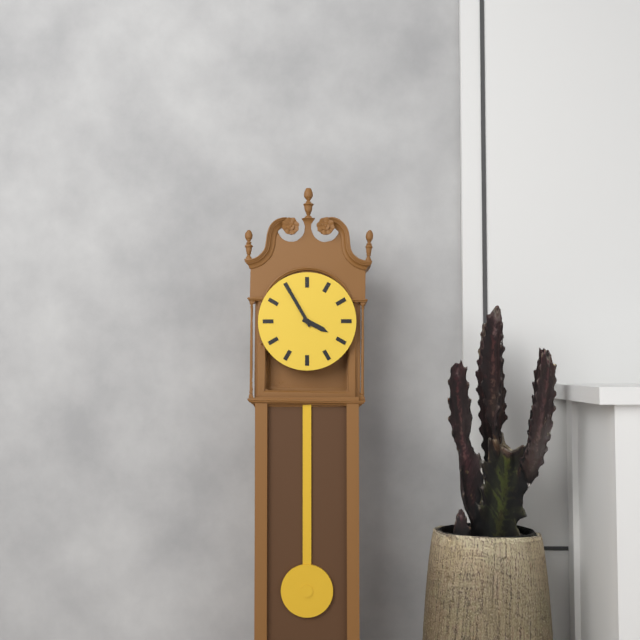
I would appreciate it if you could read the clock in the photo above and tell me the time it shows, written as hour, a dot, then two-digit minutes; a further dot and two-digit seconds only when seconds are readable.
3.55
